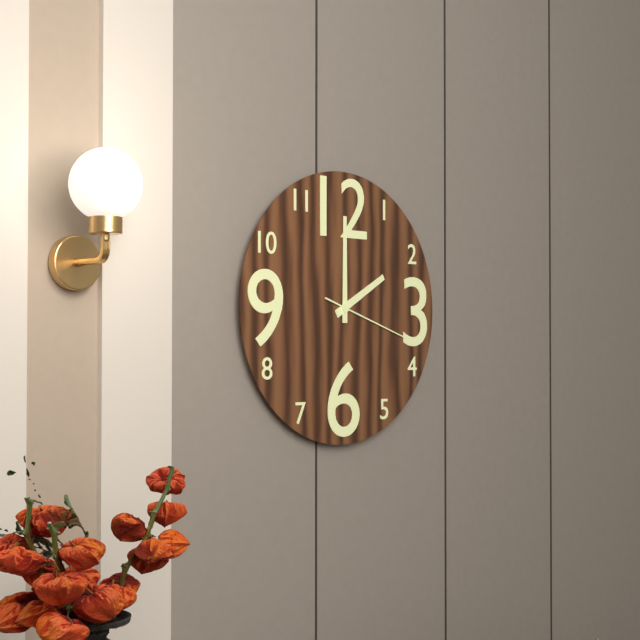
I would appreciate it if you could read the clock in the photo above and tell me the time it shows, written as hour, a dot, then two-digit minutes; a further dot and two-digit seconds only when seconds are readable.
2.00.18
